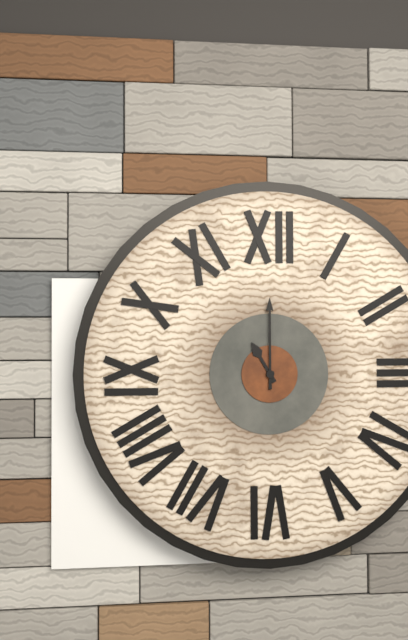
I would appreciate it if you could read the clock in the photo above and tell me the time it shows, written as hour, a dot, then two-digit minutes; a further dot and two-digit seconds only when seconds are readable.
11.00
